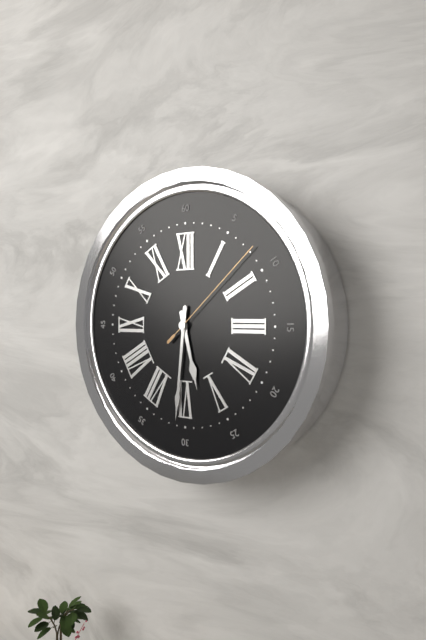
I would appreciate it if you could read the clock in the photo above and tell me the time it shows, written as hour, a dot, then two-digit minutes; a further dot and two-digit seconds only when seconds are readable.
5.31.08
